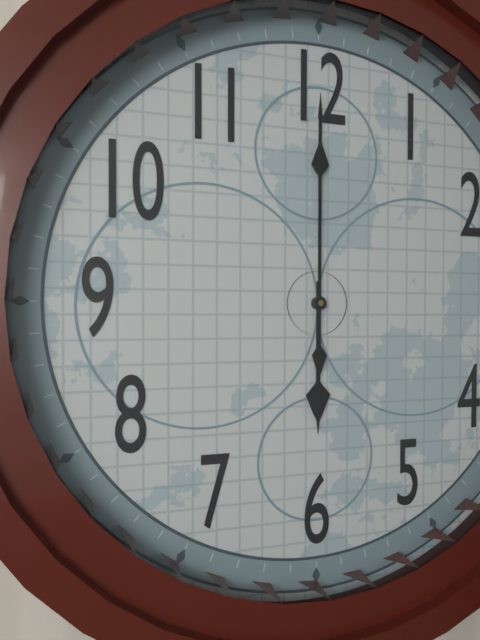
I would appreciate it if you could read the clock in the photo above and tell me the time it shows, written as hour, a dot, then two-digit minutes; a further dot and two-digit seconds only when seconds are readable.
6.00
